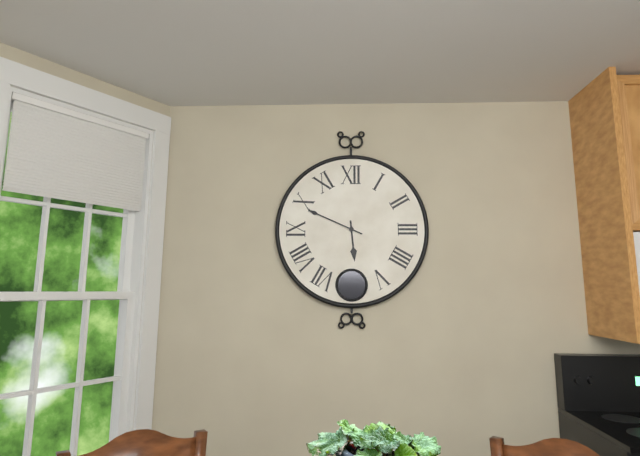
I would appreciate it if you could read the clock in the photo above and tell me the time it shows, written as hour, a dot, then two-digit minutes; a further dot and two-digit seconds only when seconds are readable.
5.49
